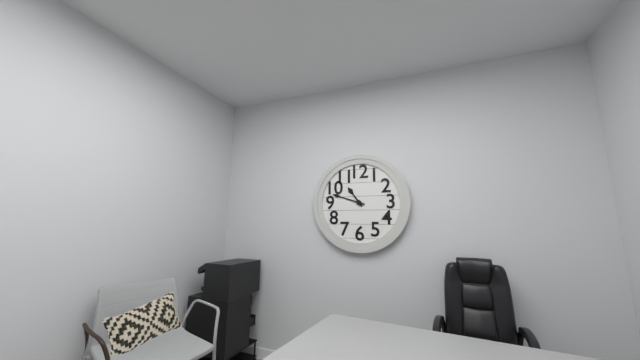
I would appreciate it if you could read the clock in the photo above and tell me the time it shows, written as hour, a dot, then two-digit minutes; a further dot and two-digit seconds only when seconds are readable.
10.48
